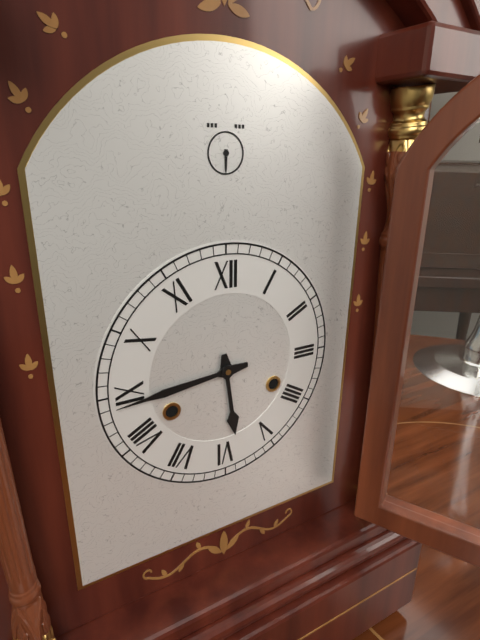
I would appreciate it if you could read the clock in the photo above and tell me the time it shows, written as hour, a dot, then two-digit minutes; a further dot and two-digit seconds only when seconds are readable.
5.44
